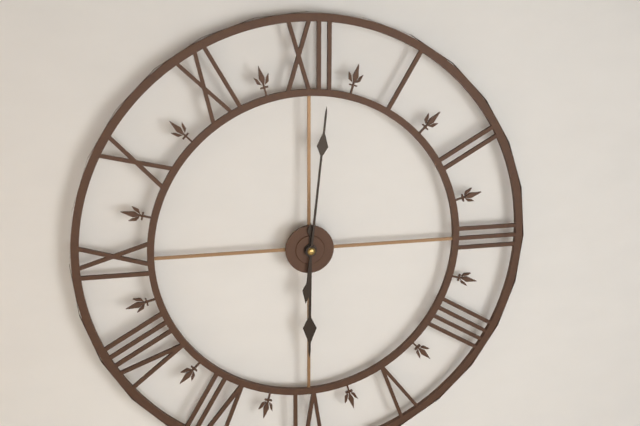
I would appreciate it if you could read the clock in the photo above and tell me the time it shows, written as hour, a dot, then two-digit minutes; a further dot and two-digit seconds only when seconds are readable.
6.01
